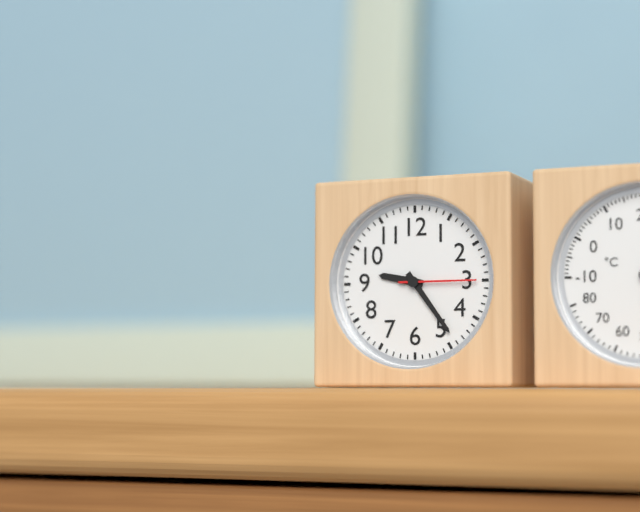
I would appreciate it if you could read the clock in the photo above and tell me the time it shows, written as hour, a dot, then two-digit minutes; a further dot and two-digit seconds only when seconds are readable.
9.24.15
